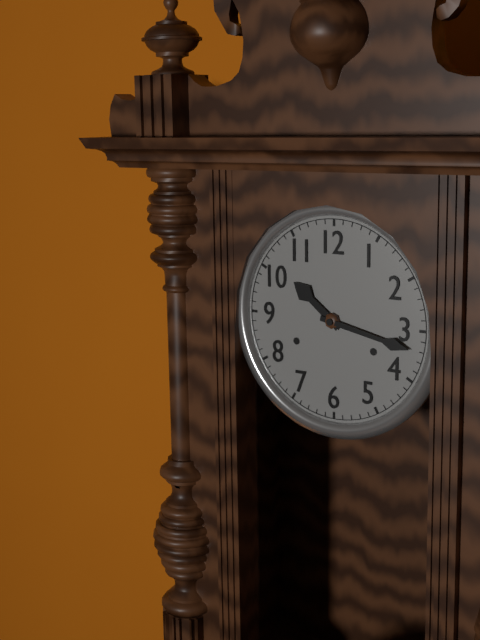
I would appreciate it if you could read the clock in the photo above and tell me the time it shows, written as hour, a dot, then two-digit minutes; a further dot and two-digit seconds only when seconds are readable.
10.17
